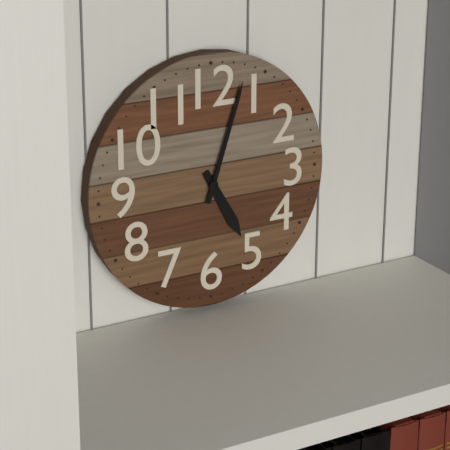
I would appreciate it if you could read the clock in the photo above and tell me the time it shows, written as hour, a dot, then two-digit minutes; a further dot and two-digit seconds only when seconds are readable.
5.03
